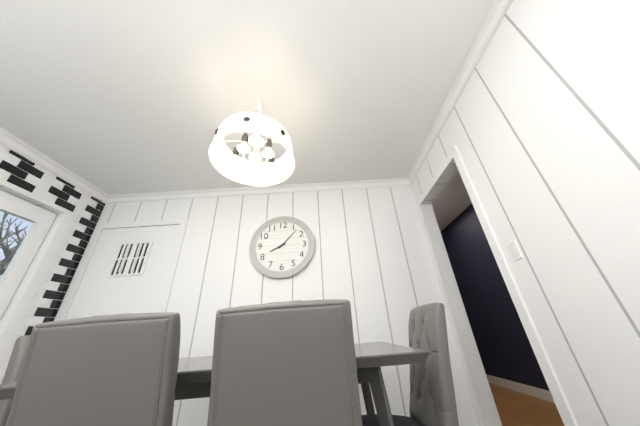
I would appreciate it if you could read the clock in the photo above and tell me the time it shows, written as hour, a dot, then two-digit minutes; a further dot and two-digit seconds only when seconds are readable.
8.07
